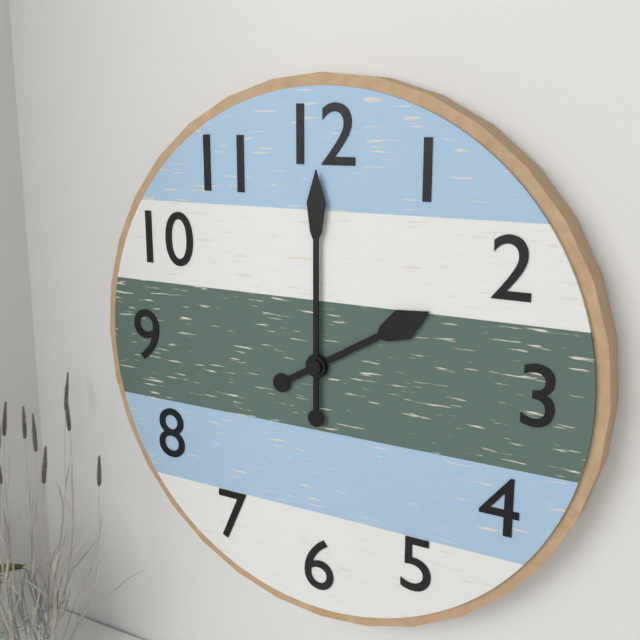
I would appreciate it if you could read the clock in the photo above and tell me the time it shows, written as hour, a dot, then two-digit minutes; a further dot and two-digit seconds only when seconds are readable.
2.00
